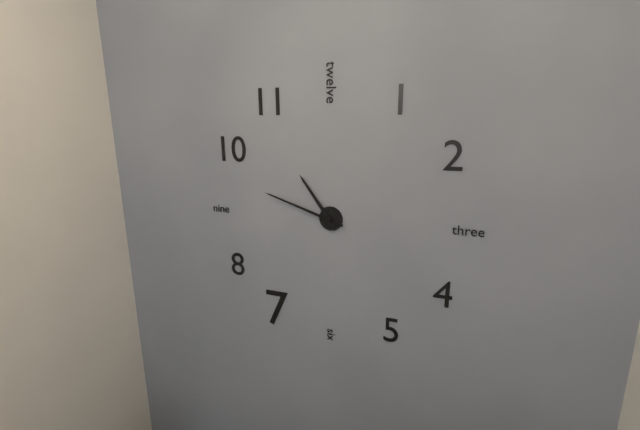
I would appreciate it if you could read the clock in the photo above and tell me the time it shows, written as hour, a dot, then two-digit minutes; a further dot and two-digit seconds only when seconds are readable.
10.48
